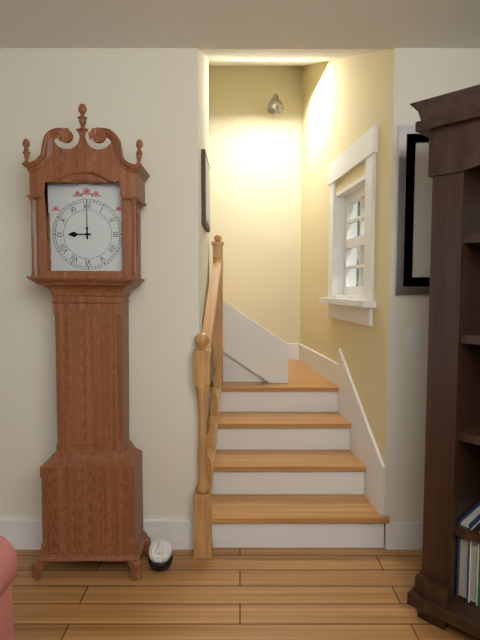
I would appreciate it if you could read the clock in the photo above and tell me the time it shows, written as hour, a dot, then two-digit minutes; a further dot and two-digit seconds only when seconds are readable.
9.00
